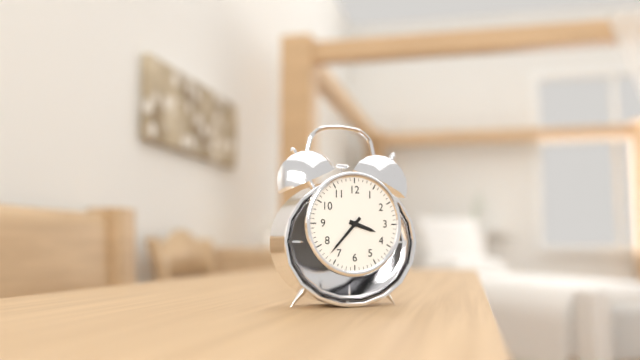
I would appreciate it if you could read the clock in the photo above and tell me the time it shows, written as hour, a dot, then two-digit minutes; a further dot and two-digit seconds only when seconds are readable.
3.37
